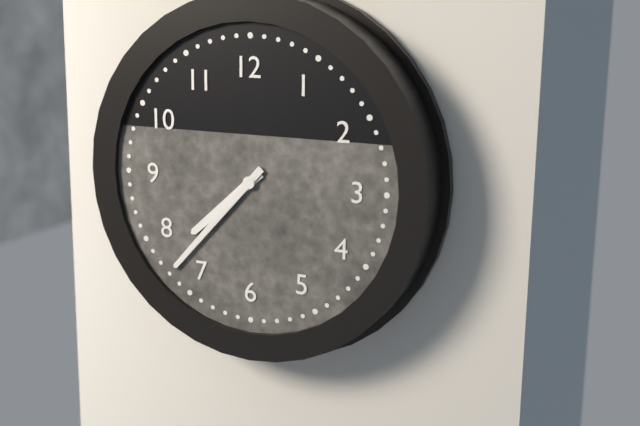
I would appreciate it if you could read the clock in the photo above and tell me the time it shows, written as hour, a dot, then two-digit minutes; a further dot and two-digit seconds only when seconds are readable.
7.37
